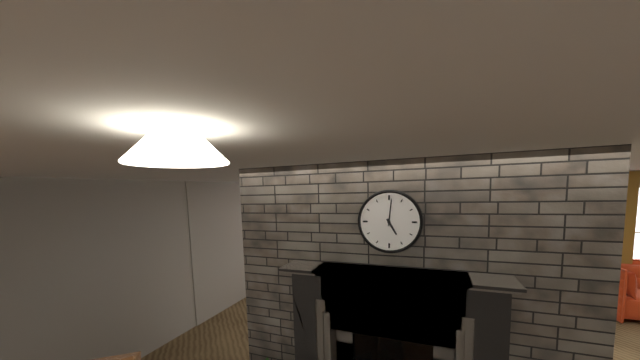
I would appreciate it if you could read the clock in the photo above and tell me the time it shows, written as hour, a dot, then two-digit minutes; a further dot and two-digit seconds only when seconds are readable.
5.01
